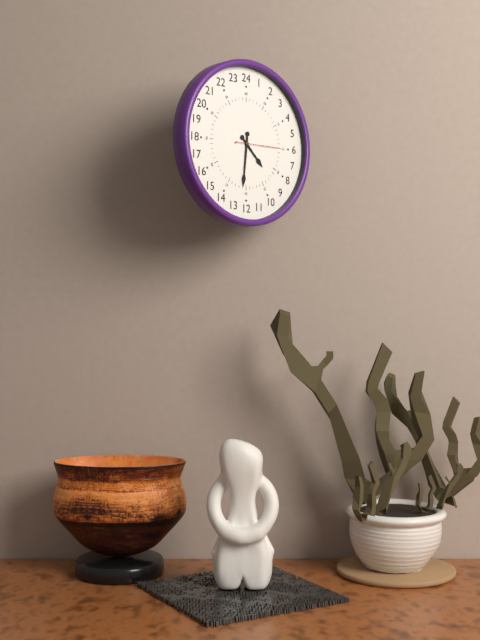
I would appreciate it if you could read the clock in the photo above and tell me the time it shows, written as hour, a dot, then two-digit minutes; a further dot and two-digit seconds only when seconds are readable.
4.31.15
